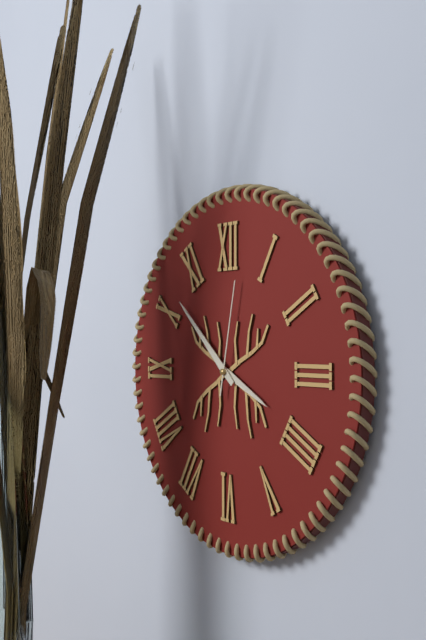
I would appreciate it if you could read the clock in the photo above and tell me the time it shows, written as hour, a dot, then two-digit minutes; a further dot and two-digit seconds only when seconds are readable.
3.52.02
